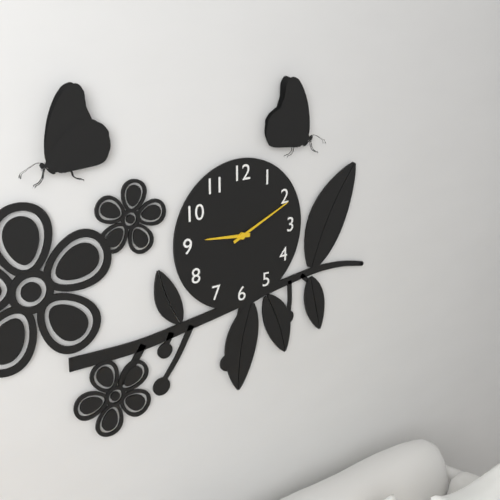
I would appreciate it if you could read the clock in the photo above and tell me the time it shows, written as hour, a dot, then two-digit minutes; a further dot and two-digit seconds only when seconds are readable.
9.11
